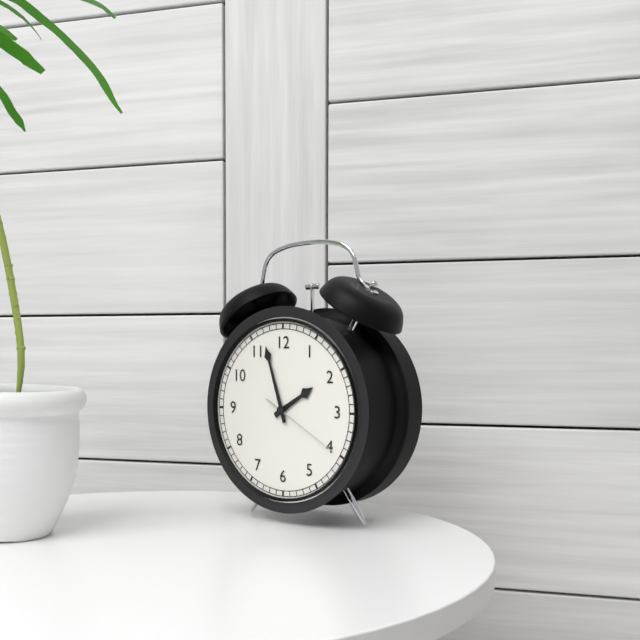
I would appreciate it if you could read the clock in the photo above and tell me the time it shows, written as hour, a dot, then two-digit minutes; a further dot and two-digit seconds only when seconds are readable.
1.57.20
